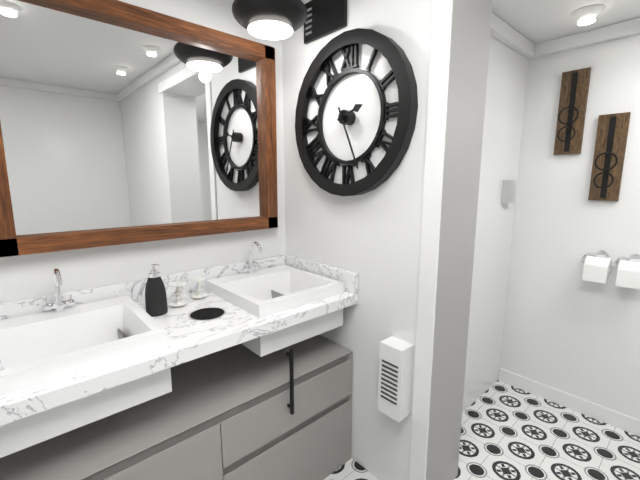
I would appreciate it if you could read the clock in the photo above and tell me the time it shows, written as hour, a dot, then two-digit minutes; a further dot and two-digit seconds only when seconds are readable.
2.26
